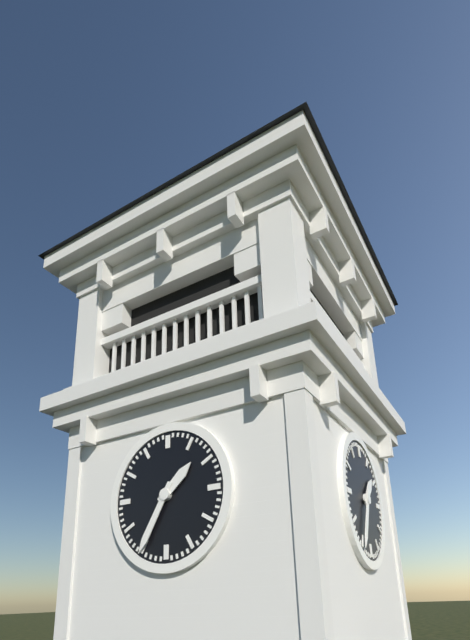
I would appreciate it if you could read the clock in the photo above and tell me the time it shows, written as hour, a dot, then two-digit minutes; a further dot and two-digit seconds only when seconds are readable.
1.35
